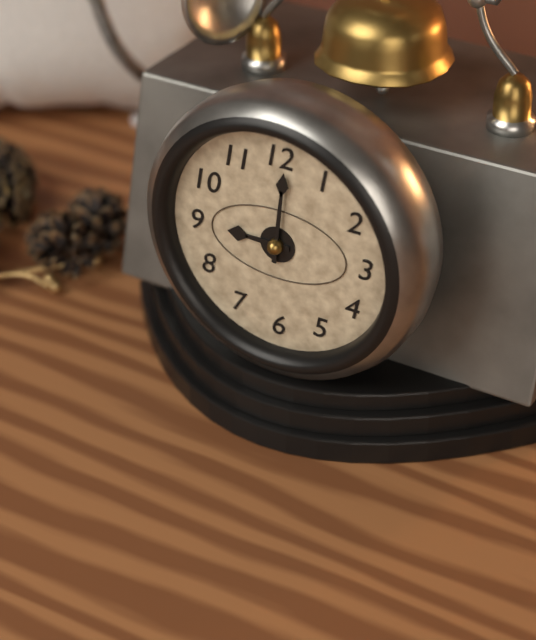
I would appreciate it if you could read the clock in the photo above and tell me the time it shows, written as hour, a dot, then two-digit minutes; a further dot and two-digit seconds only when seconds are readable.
9.01
